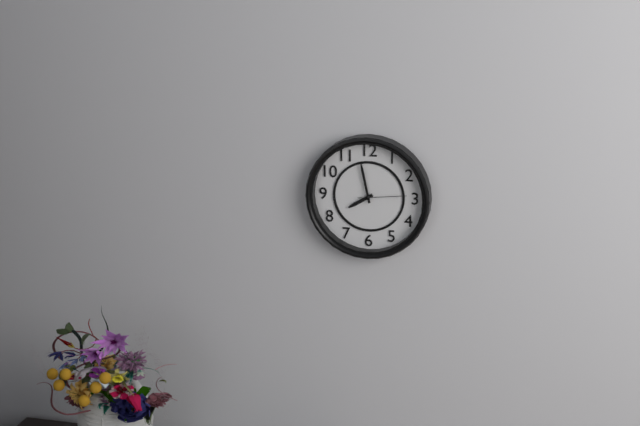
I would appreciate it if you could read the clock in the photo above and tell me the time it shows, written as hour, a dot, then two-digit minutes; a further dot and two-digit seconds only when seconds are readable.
7.58
